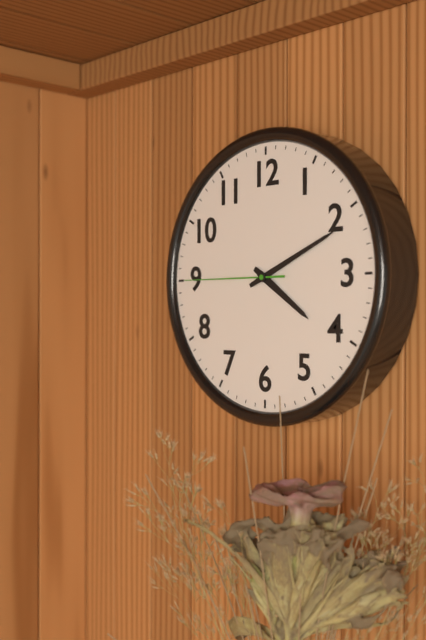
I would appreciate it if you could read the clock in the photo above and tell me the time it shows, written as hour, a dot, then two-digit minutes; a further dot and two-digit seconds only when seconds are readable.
4.11.45
